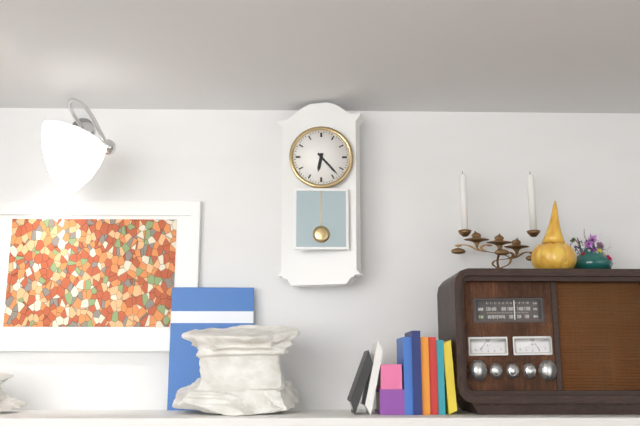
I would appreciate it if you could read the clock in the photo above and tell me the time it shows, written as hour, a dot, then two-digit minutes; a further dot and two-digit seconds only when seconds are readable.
6.23
